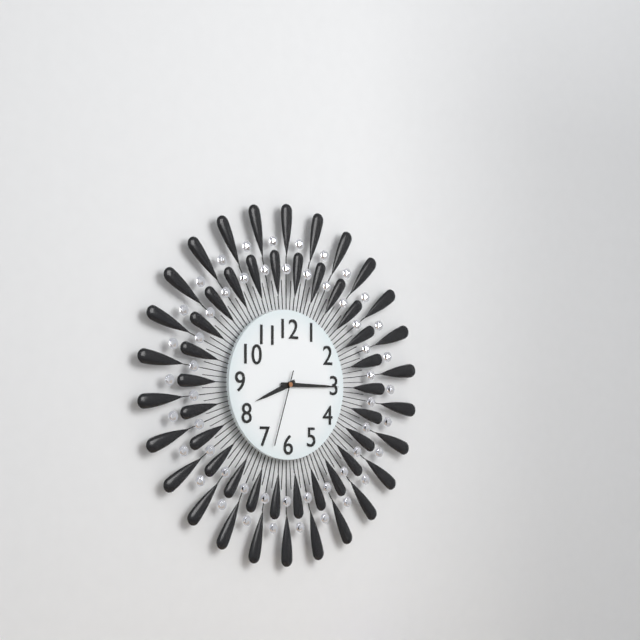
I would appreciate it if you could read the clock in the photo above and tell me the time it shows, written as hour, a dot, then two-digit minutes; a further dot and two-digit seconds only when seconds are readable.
8.15.33
